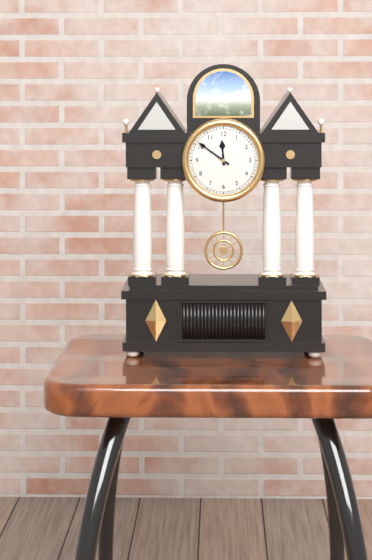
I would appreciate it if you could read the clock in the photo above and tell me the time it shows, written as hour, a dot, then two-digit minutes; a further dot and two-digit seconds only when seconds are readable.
11.51
